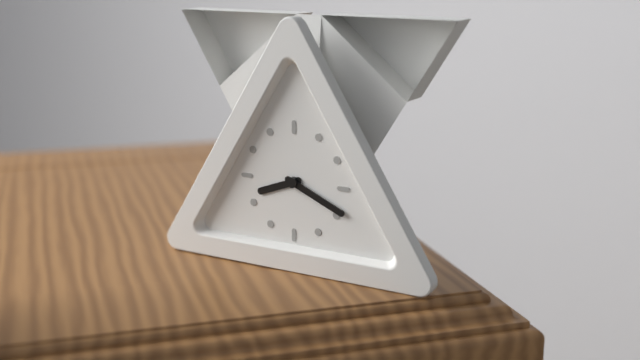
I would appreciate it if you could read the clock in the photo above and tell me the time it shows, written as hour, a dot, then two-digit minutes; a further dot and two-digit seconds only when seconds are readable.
8.19
